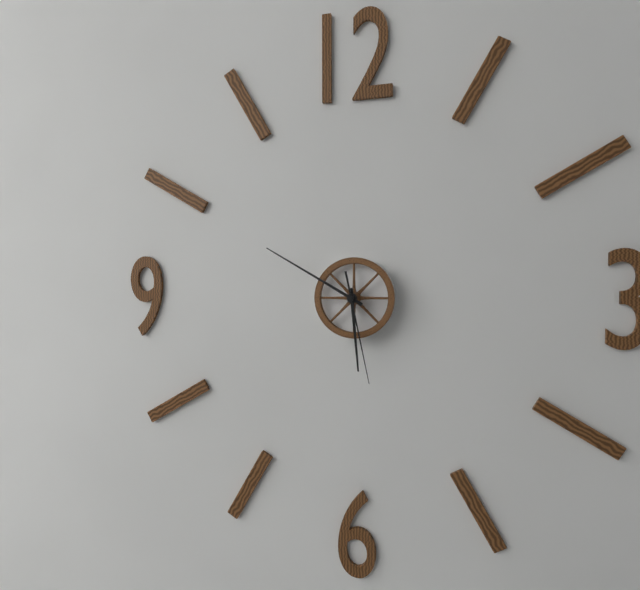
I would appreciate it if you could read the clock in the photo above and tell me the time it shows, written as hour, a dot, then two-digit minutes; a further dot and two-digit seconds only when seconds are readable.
5.50.28
